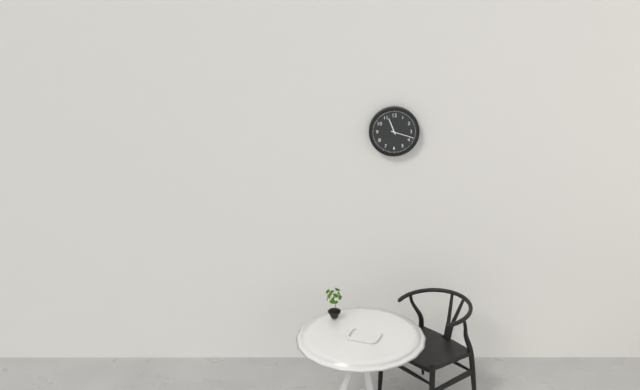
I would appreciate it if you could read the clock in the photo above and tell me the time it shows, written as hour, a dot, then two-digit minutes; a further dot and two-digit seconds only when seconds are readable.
11.18
